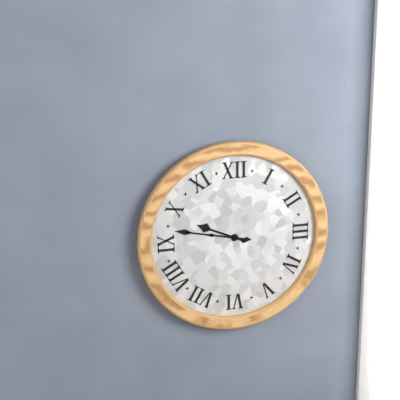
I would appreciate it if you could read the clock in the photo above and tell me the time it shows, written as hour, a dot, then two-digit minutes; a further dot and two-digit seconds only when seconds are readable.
9.47
